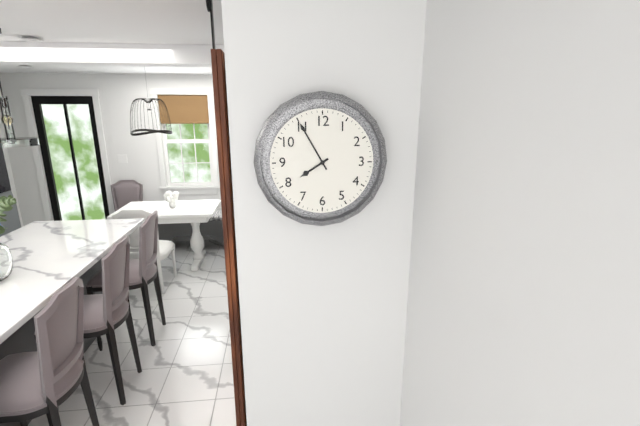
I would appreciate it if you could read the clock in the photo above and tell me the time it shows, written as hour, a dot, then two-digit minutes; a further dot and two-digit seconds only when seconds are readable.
7.55
